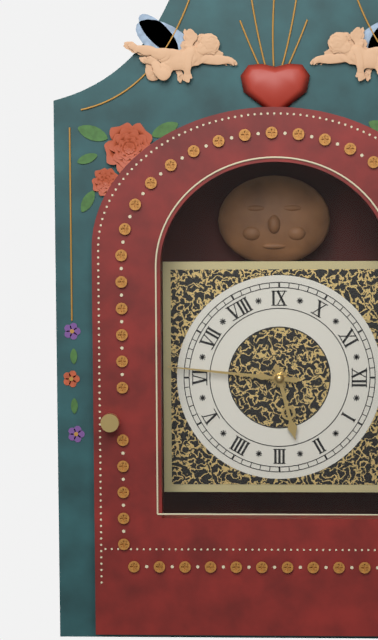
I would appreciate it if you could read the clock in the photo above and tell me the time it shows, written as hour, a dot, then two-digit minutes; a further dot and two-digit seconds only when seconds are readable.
2.31
